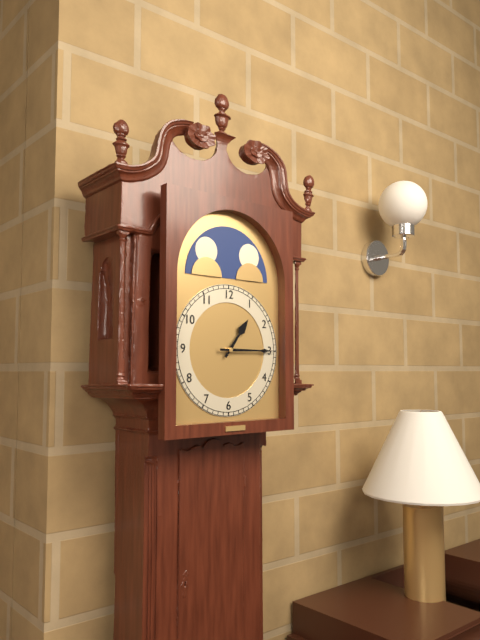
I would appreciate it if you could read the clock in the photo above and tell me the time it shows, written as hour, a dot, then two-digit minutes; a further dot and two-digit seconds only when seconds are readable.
1.15
